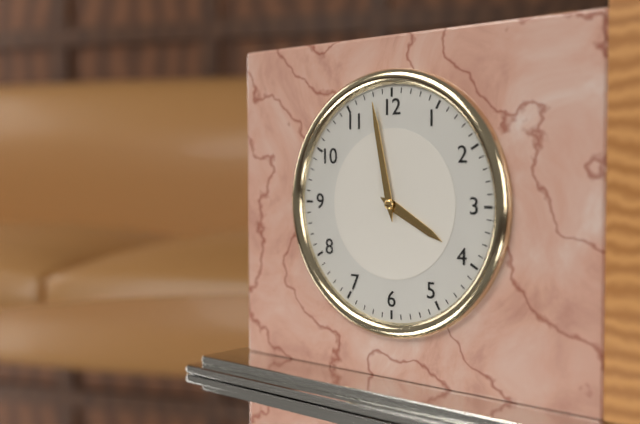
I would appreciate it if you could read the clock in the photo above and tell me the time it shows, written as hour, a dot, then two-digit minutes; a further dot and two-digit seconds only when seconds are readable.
3.58
